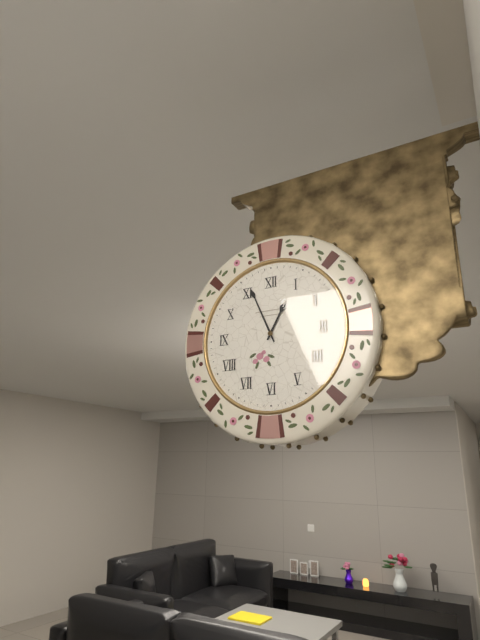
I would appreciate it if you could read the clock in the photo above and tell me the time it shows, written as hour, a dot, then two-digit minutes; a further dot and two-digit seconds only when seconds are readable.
12.56
